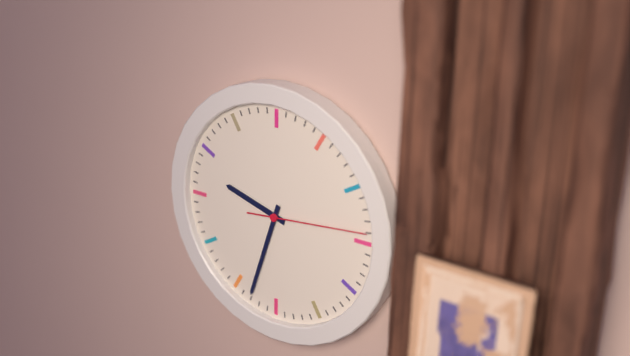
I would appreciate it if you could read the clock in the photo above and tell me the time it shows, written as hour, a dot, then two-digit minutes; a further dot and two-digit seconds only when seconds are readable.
9.33.14
